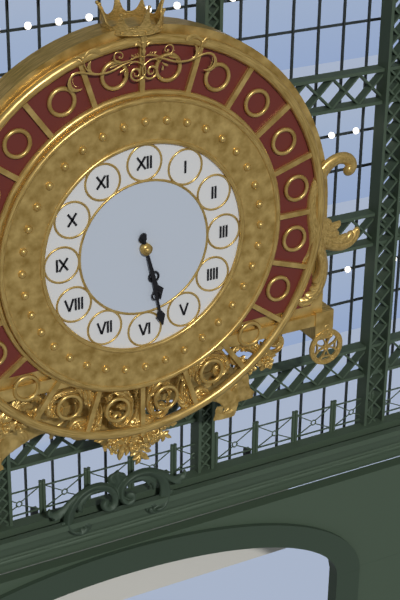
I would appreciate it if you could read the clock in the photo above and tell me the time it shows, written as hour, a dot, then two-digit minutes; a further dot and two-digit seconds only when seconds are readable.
5.28
